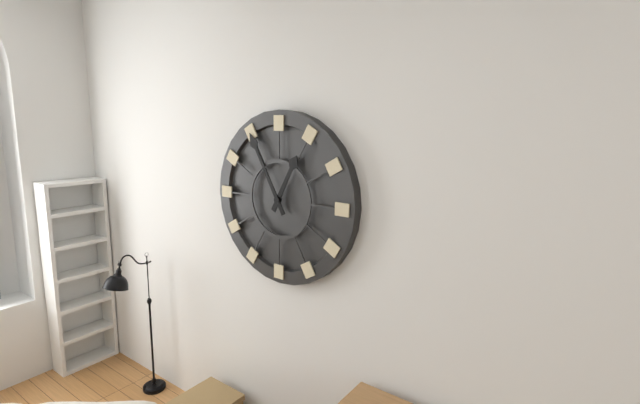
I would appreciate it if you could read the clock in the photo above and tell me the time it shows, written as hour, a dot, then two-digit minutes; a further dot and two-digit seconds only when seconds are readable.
12.55
